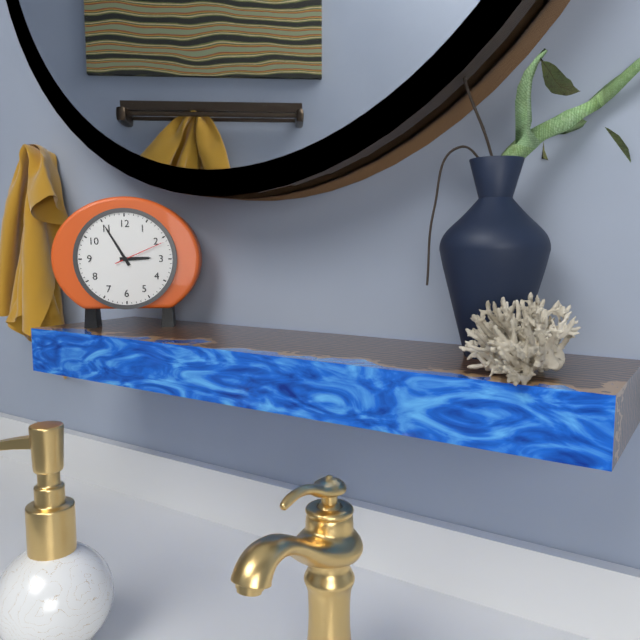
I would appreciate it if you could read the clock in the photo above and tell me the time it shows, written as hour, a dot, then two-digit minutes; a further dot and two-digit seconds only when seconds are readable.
2.55.11
